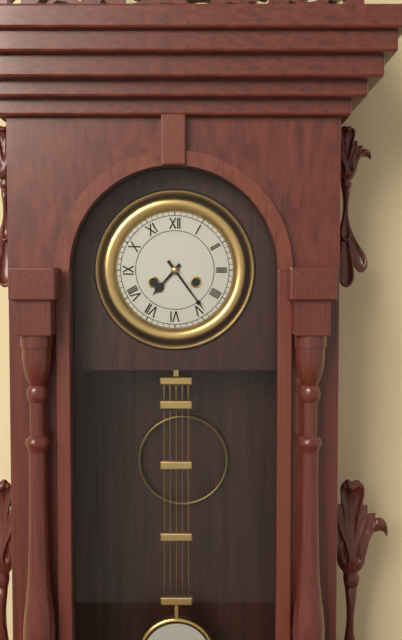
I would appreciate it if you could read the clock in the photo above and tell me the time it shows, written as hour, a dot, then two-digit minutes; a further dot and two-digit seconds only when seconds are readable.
7.24
